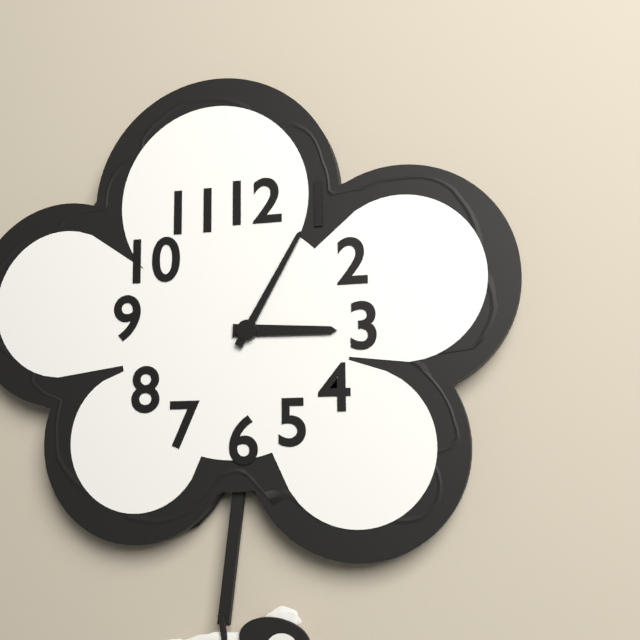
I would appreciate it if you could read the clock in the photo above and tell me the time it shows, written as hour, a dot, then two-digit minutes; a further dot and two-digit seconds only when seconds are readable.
3.05
